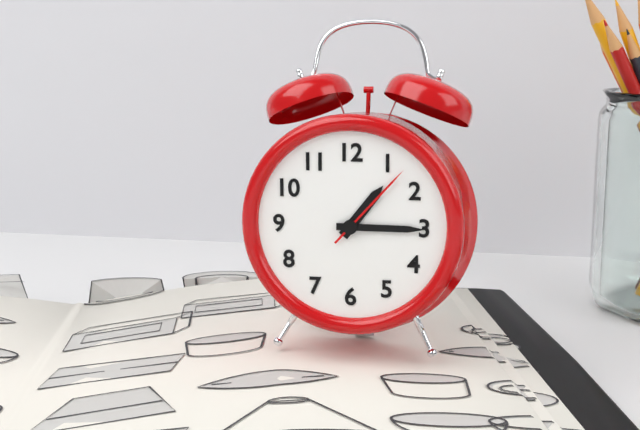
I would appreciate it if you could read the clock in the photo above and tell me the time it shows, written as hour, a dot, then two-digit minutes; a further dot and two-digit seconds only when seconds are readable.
1.15.07
